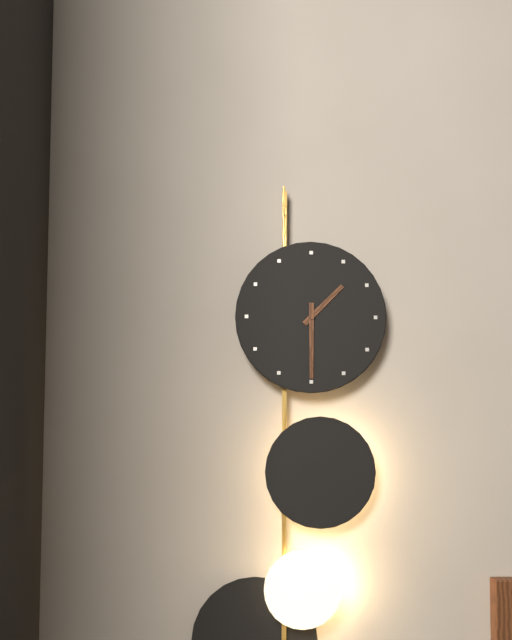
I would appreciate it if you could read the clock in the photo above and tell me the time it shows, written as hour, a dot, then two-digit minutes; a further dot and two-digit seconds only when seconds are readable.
1.30
